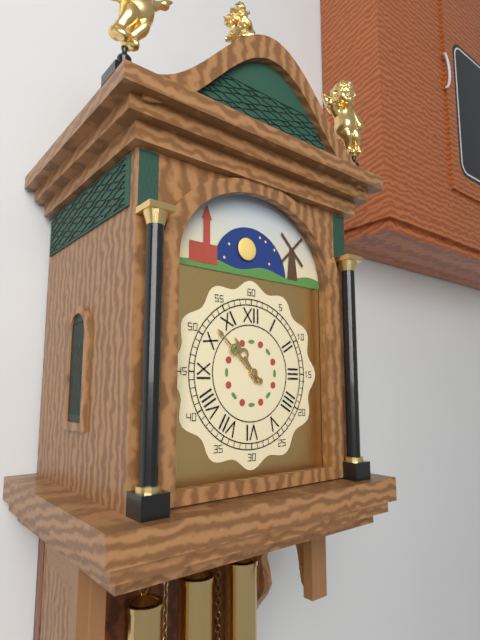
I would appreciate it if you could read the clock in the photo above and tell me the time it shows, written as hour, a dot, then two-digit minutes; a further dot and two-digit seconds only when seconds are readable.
10.52
